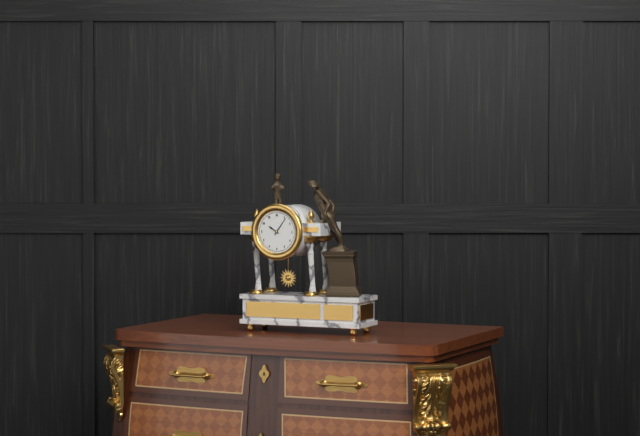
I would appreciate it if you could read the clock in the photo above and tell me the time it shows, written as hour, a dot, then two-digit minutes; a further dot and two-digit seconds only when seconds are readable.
10.06
